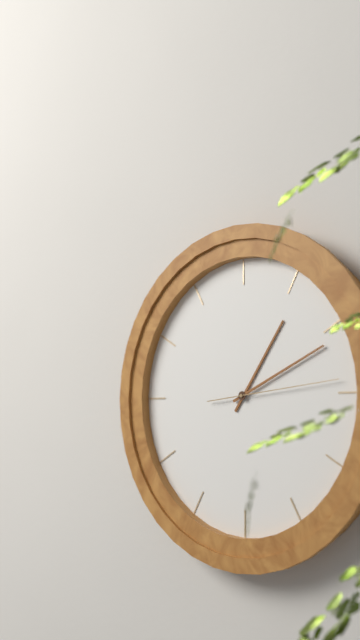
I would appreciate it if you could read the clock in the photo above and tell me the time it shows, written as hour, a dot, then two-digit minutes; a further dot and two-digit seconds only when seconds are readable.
1.11.14
